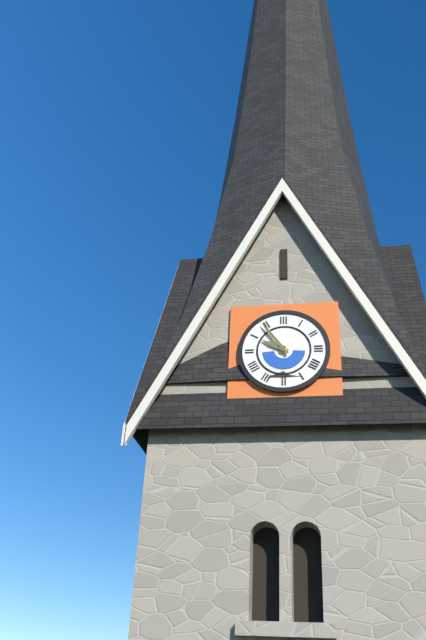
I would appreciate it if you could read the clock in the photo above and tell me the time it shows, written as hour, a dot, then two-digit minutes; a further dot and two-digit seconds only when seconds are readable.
9.54
